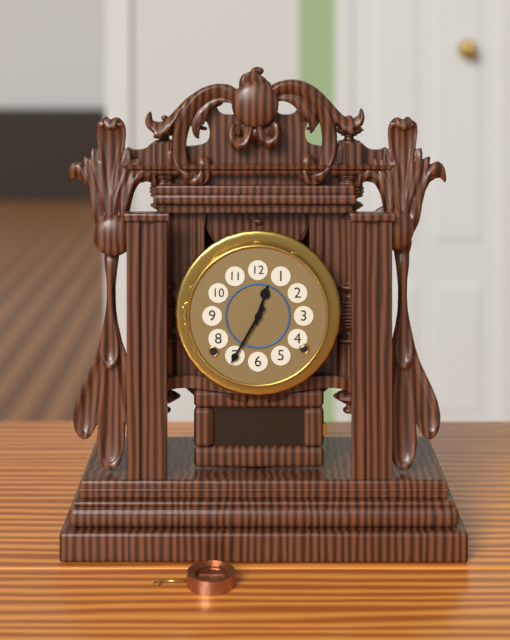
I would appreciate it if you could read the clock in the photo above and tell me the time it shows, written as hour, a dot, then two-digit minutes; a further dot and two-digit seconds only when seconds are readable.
12.35
